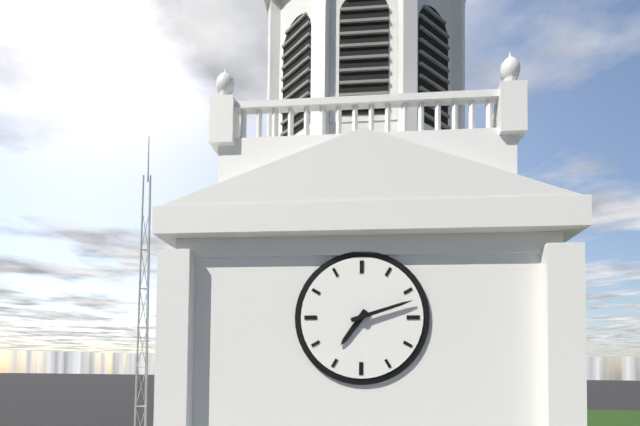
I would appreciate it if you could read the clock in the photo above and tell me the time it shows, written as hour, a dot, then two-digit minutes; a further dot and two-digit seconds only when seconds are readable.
7.12
